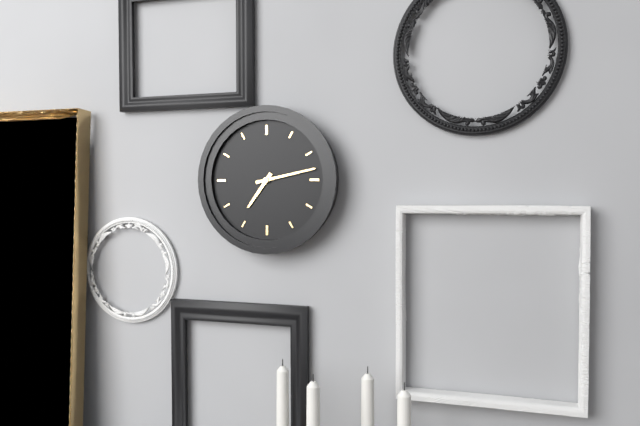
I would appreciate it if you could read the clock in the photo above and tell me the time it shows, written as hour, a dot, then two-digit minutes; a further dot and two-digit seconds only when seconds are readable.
7.13
